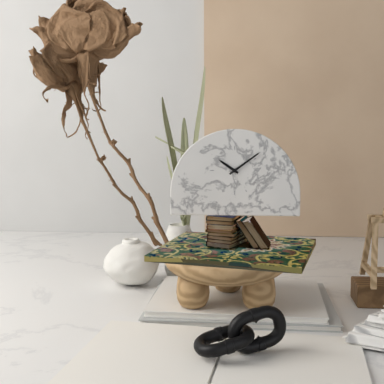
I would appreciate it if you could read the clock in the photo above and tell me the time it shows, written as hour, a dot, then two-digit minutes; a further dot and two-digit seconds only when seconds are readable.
10.09
